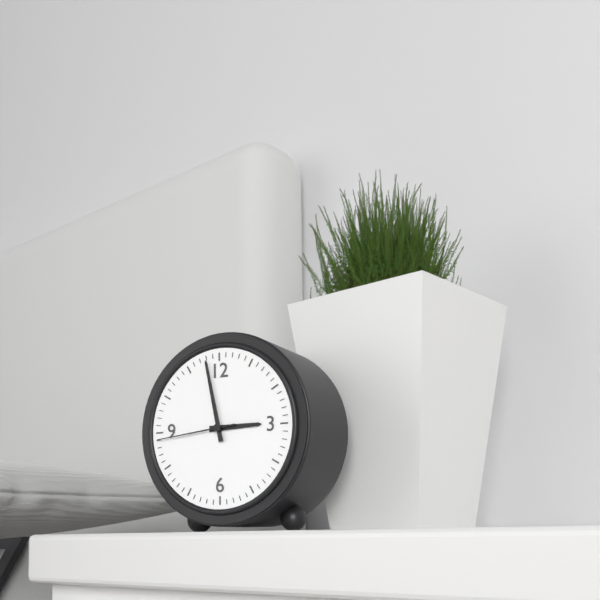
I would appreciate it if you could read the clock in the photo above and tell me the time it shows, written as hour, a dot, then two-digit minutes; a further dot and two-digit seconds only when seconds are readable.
2.58.44
